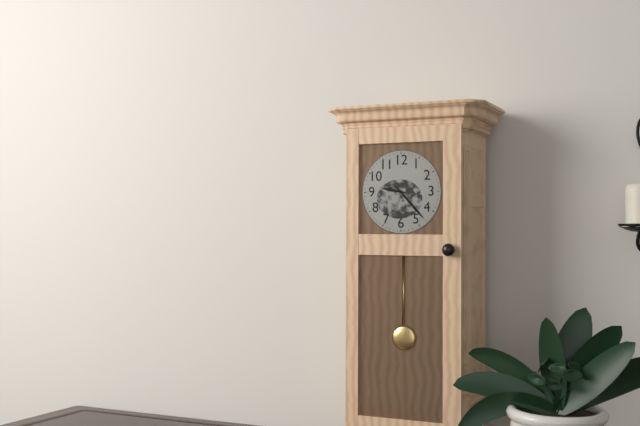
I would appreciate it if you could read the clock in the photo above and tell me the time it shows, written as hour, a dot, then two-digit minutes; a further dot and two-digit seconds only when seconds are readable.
9.23
